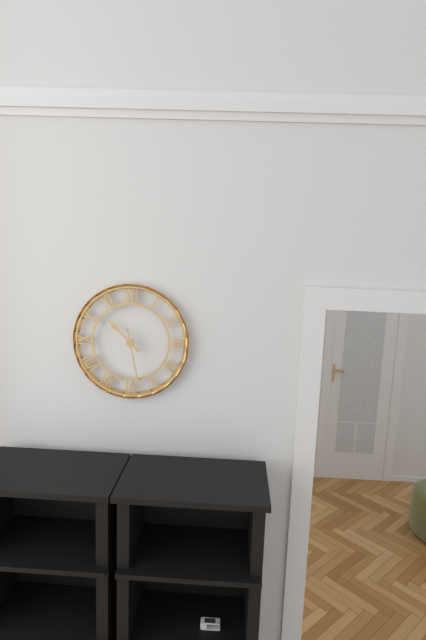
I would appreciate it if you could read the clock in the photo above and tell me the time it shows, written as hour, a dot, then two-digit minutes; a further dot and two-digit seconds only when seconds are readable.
10.28
